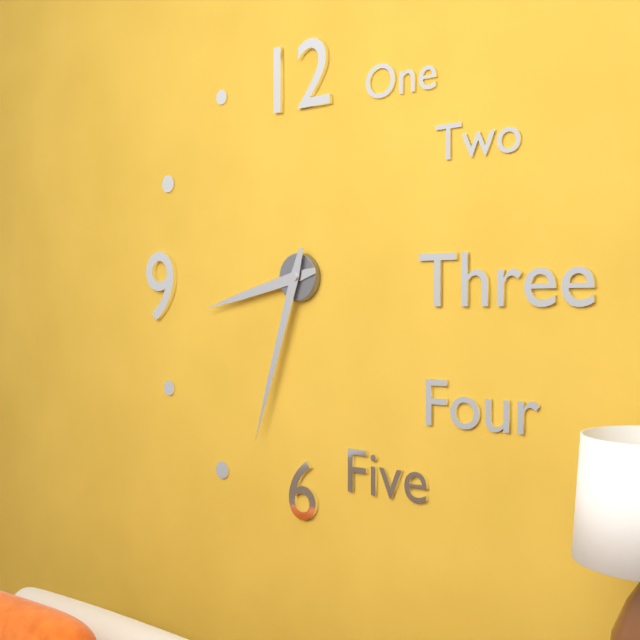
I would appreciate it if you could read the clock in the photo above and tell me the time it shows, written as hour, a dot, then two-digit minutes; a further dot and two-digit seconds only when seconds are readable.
8.33
